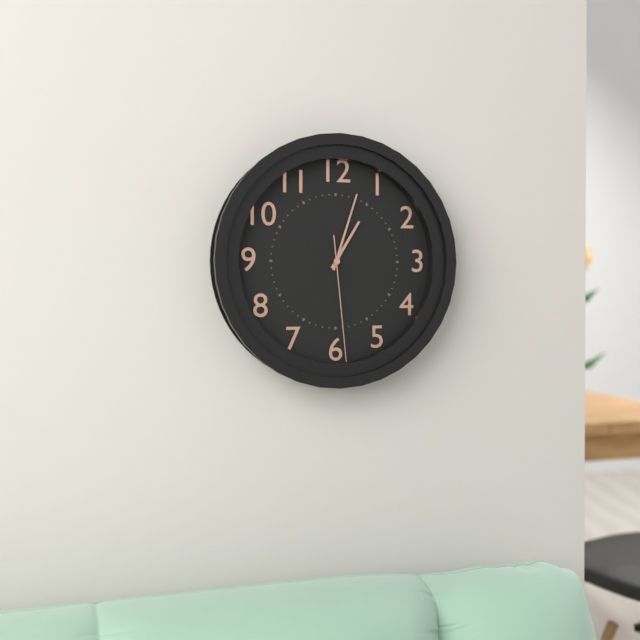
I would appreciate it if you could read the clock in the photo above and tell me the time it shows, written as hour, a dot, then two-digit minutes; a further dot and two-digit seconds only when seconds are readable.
1.03.29
